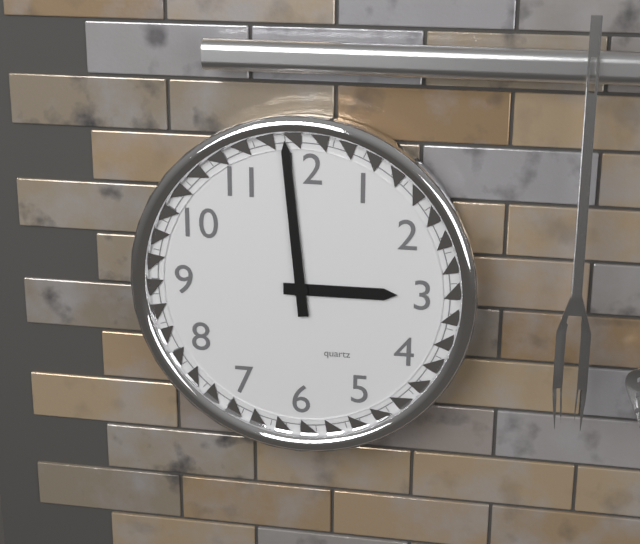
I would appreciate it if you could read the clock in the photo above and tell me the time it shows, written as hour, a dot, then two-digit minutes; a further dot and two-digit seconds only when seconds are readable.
2.59
